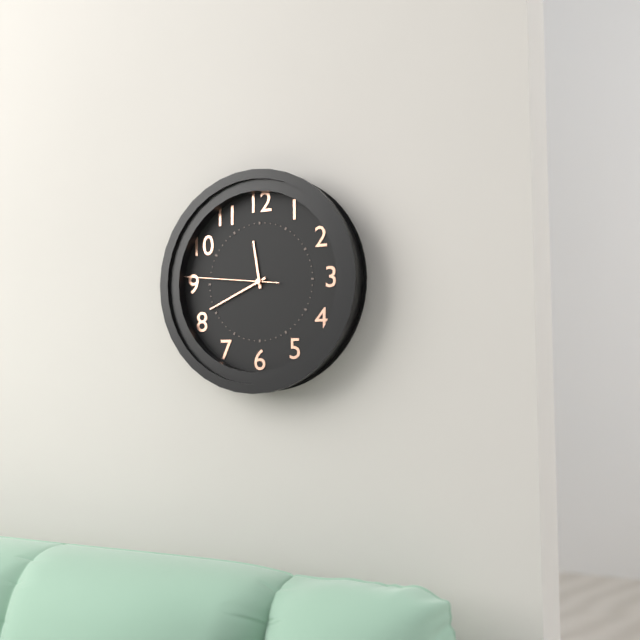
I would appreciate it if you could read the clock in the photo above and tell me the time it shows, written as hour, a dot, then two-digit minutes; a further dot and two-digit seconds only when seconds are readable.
11.41.46
